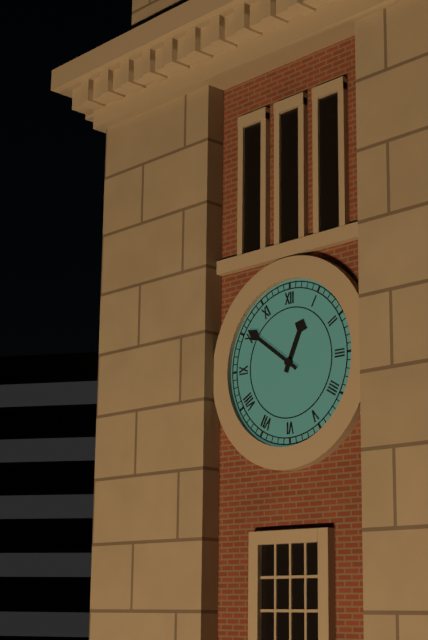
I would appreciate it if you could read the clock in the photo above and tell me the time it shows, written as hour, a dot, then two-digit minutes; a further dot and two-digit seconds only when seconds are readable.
12.51
